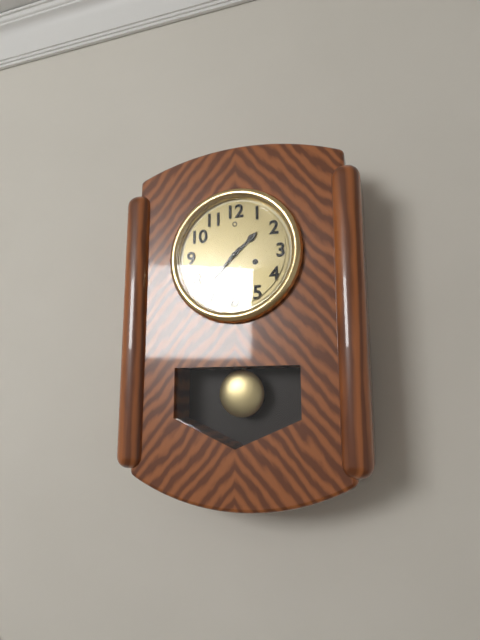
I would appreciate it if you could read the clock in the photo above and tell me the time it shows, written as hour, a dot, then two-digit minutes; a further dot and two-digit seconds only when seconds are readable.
1.37
